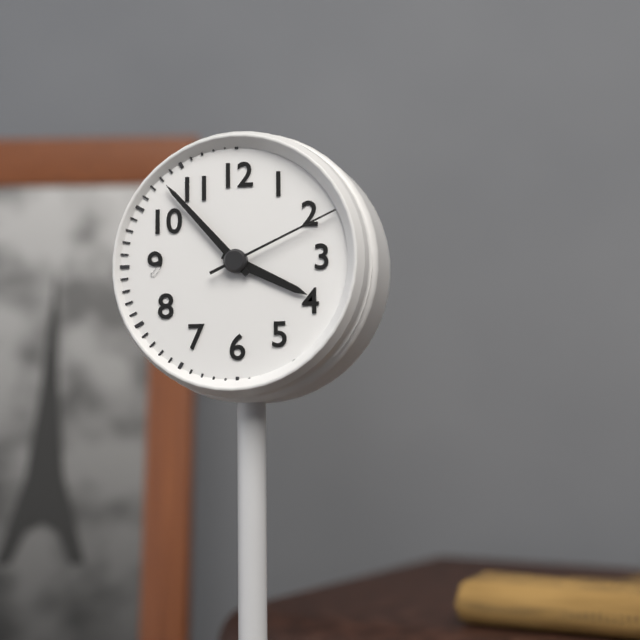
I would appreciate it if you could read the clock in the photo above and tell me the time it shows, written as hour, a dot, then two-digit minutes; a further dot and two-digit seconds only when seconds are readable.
3.53.11
